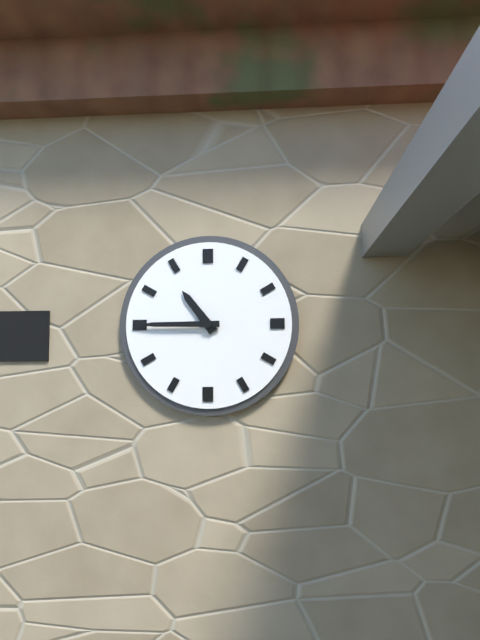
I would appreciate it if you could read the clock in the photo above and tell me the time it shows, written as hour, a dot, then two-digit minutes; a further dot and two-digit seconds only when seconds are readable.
10.45
